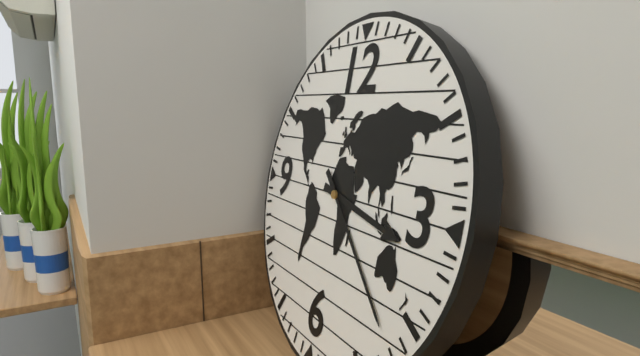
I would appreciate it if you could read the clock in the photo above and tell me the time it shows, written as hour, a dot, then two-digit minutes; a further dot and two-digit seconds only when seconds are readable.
3.22
